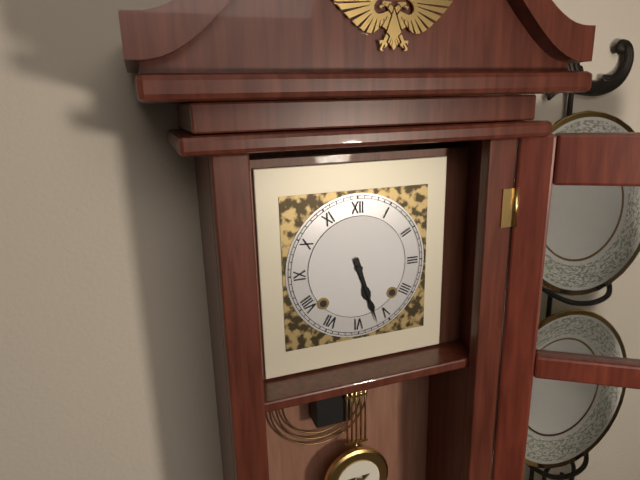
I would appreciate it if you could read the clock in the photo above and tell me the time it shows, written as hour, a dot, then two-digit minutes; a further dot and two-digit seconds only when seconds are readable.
5.27
